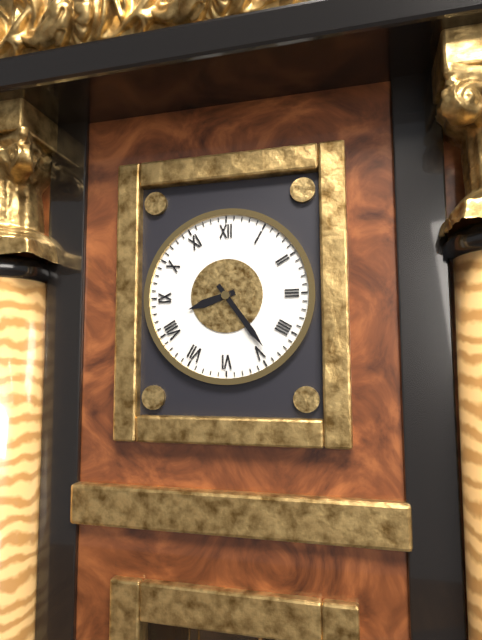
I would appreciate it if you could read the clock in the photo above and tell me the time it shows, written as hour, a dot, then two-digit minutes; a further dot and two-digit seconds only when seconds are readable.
8.24
